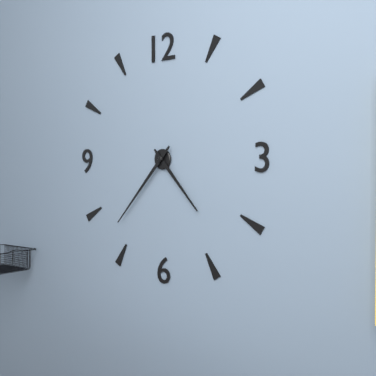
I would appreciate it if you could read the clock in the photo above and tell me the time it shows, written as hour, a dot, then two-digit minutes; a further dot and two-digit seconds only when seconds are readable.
4.37
